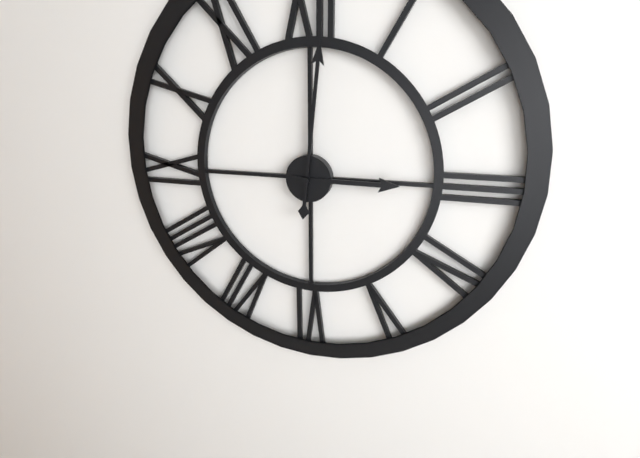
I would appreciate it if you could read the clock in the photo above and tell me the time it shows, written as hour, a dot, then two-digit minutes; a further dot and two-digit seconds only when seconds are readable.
3.01
